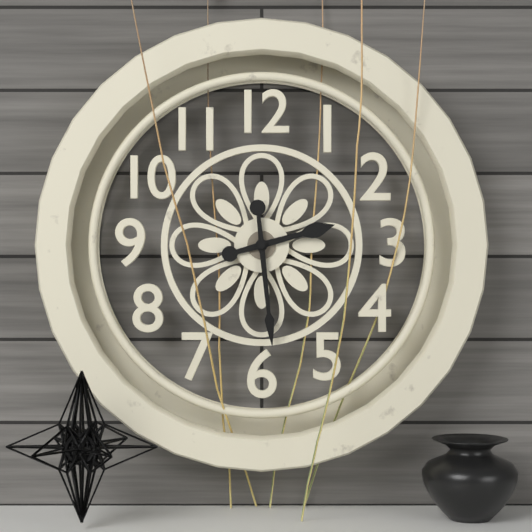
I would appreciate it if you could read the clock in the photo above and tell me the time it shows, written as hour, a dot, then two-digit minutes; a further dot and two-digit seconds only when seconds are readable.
2.29
